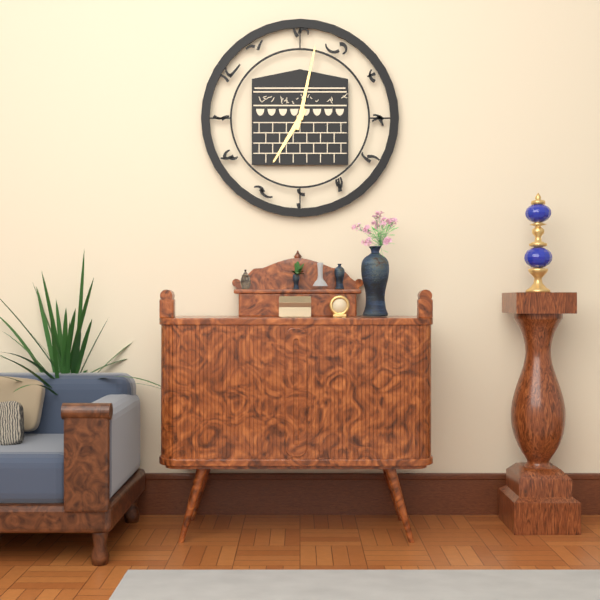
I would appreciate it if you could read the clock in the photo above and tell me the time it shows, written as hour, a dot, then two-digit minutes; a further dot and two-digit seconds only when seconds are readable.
7.02
